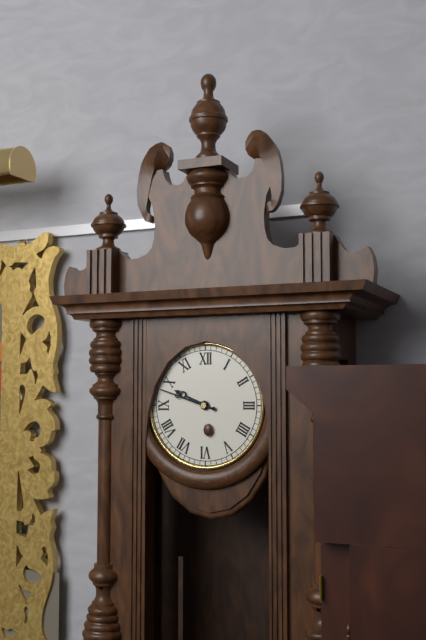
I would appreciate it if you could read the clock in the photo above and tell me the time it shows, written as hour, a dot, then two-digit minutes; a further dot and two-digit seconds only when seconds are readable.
9.48
